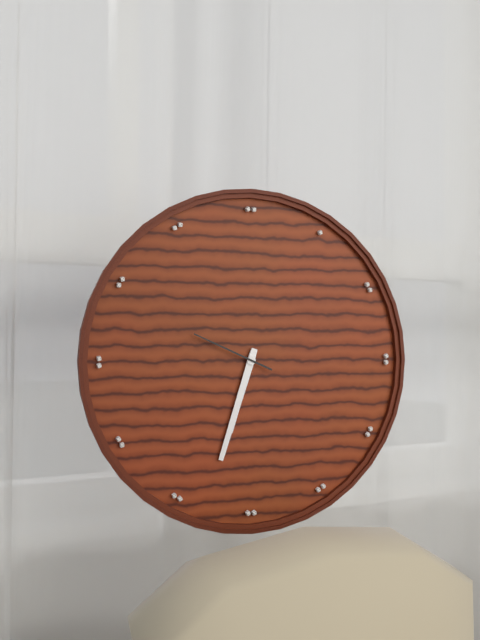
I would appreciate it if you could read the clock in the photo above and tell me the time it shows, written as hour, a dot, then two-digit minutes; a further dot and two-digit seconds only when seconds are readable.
6.33.49
